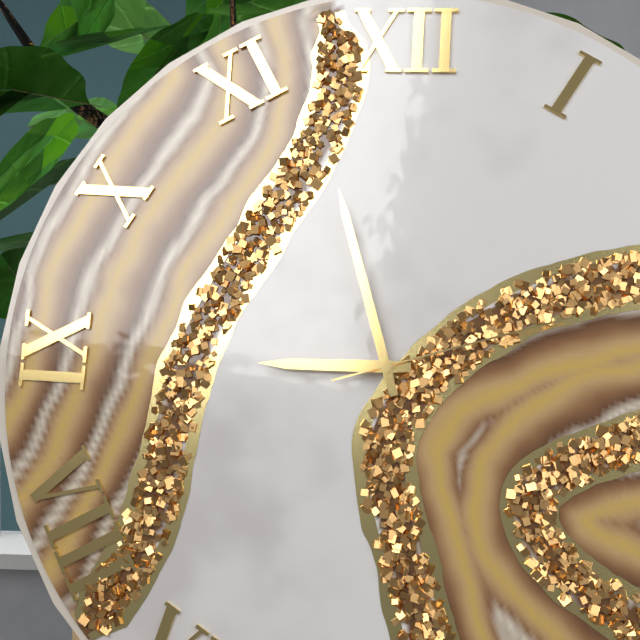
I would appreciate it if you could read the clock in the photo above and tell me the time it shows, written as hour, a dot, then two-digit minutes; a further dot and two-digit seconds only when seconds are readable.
8.57.12
